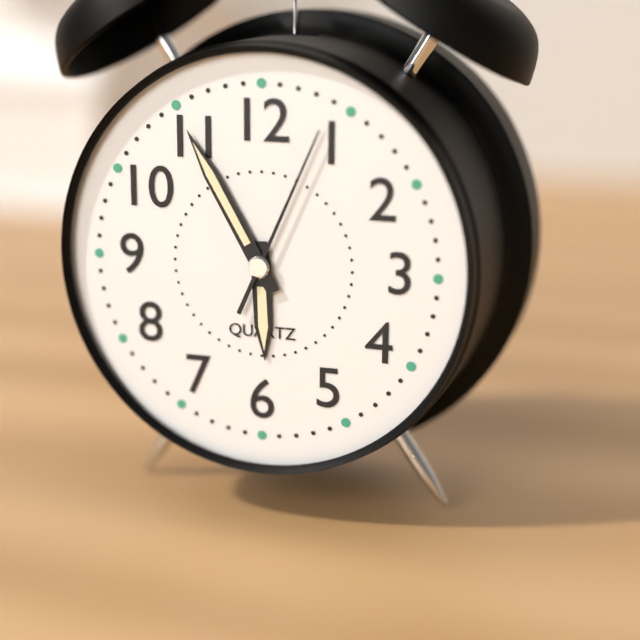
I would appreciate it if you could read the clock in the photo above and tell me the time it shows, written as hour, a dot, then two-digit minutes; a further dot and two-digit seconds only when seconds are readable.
5.55.04
